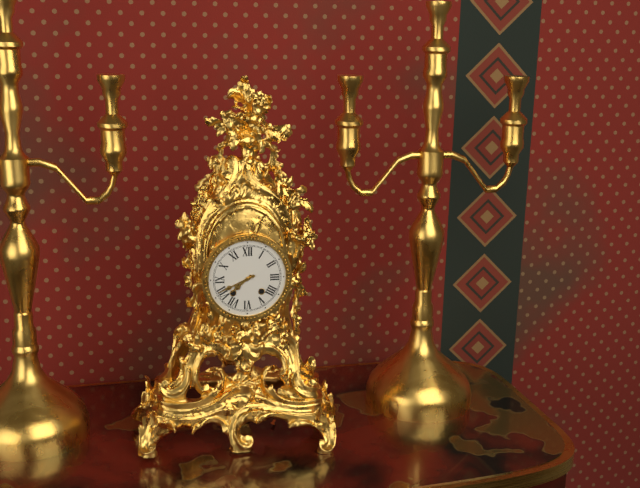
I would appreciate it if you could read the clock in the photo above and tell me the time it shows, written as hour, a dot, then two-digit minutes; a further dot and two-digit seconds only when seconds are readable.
7.41
